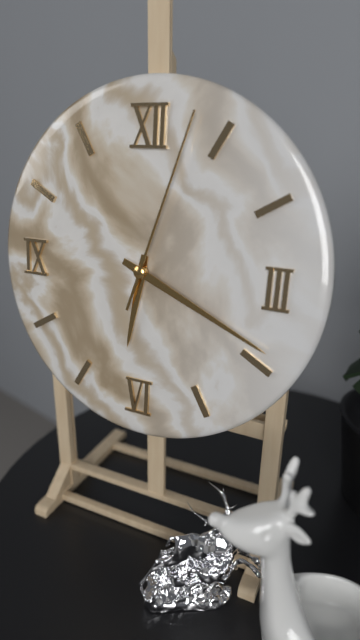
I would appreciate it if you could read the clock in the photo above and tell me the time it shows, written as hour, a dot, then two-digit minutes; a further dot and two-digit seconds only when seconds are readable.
6.19.03
